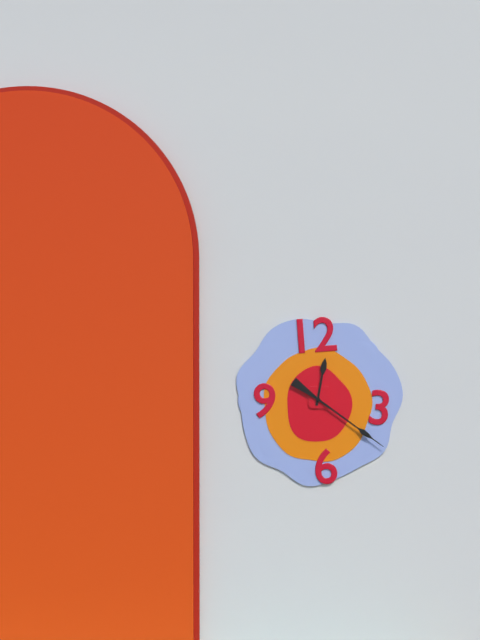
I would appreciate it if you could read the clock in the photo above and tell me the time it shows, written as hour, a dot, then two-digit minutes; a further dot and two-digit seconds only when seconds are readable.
12.21
